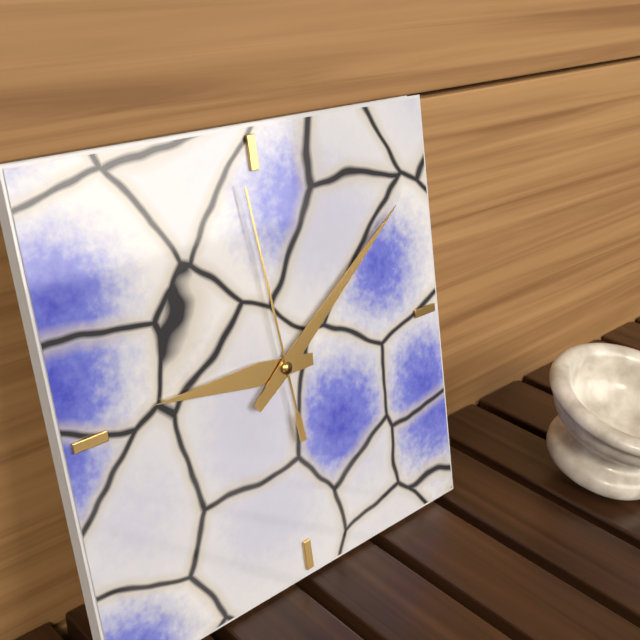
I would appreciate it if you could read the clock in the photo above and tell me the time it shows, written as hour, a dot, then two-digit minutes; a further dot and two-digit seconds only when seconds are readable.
9.09.59
